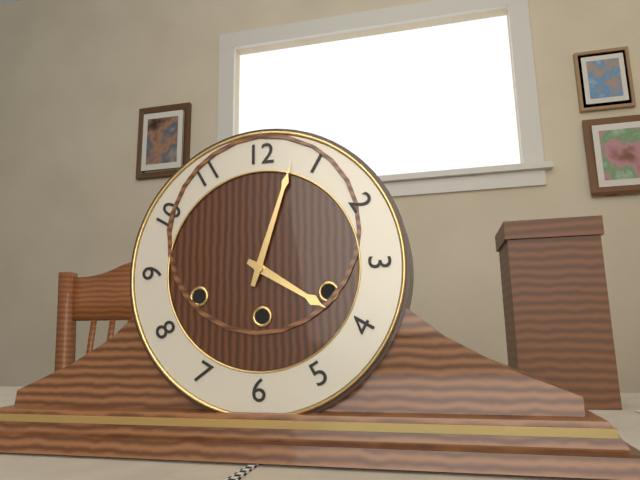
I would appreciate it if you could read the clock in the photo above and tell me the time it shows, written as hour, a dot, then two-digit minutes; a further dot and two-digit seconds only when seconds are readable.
4.03
